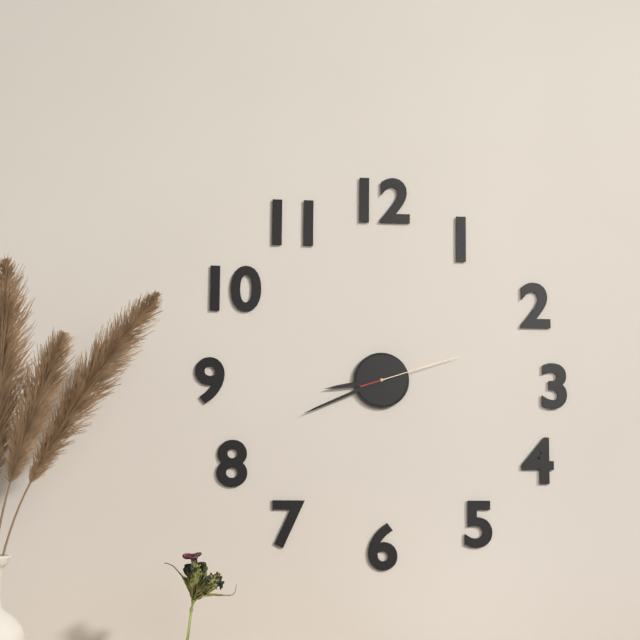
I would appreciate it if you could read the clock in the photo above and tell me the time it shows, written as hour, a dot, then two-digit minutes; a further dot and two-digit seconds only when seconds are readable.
8.41.12
